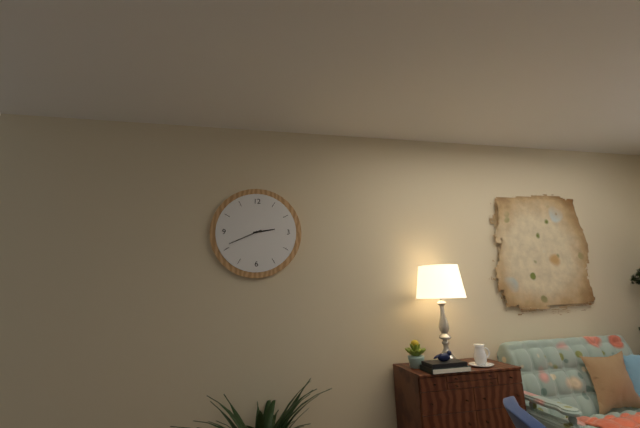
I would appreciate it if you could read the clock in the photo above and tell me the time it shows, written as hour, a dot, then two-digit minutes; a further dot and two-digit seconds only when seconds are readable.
2.41
